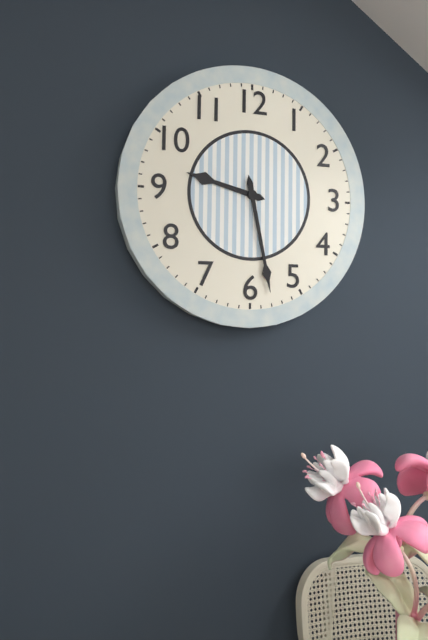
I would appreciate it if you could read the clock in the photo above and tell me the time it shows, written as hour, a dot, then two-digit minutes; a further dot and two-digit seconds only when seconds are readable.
9.28
